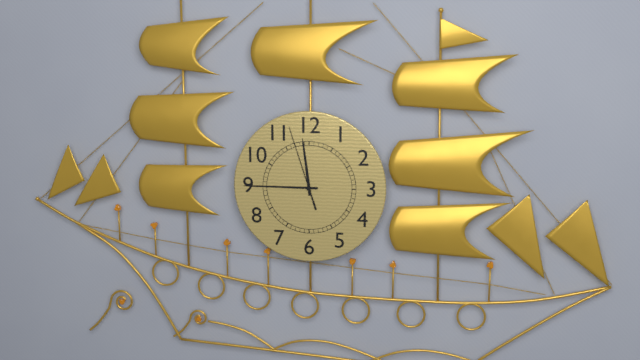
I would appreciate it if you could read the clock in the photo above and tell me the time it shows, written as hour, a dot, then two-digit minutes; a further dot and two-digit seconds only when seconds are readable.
11.45.57
